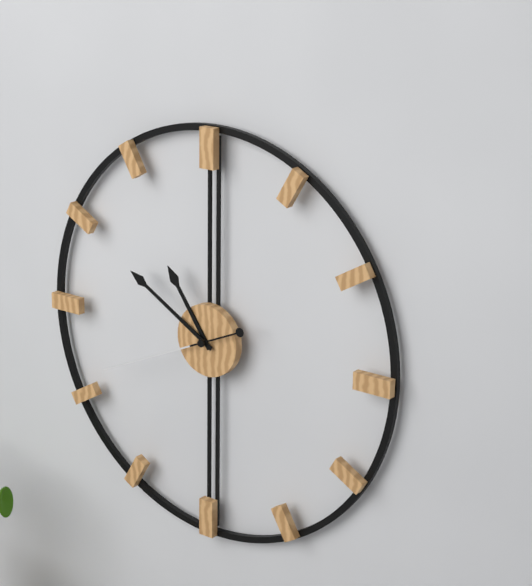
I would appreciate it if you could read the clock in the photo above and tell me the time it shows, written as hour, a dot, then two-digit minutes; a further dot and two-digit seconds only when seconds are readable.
10.50.41
